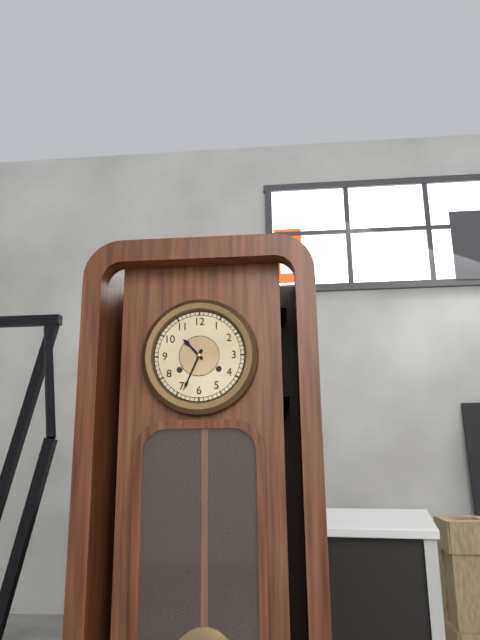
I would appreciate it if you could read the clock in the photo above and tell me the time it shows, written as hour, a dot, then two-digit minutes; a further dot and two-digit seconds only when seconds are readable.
10.34
